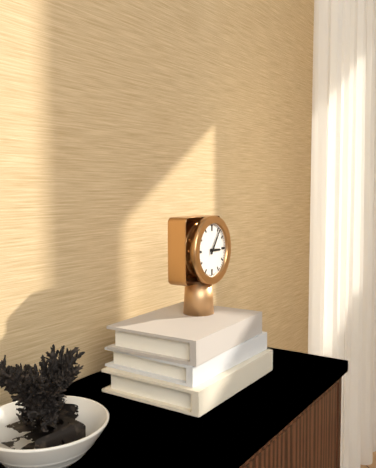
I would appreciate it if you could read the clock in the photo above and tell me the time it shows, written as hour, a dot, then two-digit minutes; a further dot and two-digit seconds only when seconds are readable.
3.06
